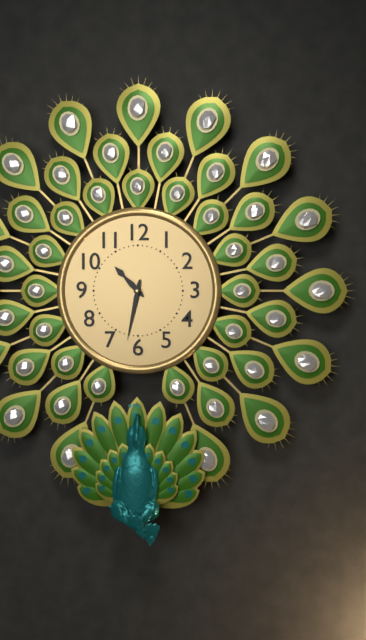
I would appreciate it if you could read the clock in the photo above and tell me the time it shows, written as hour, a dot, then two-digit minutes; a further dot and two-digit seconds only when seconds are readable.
10.32
